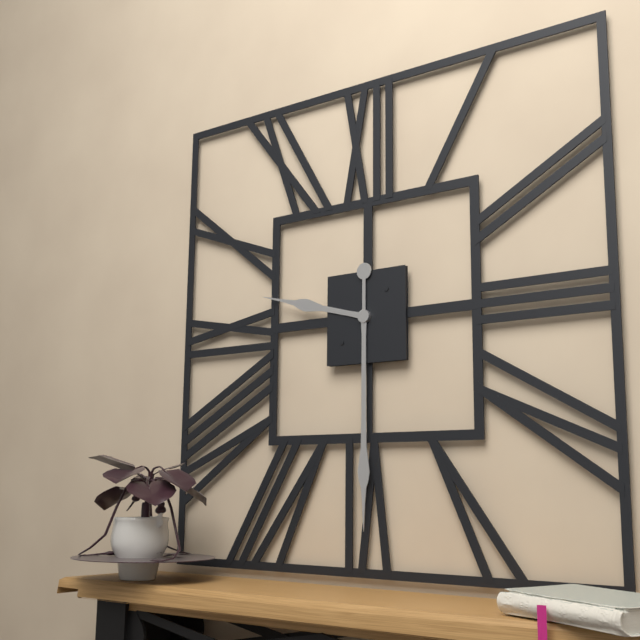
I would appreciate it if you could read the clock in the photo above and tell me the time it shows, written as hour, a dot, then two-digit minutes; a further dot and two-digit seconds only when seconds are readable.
9.30
